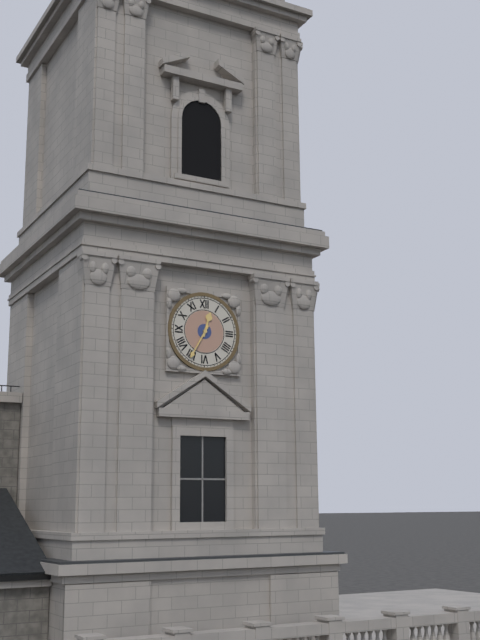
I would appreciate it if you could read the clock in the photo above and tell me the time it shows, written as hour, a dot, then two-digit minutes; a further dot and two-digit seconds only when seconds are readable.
12.35
